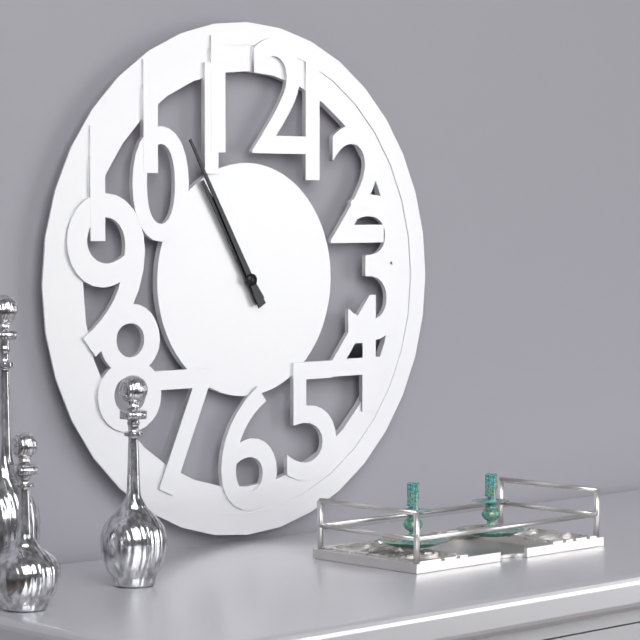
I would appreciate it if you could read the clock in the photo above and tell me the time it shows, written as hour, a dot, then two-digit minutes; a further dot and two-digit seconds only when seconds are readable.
10.55
